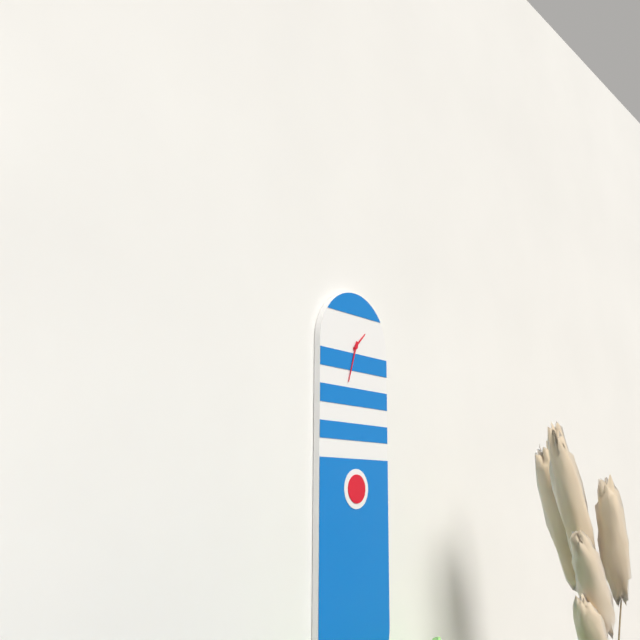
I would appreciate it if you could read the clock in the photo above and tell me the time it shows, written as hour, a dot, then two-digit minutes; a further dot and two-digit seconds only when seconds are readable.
1.33
